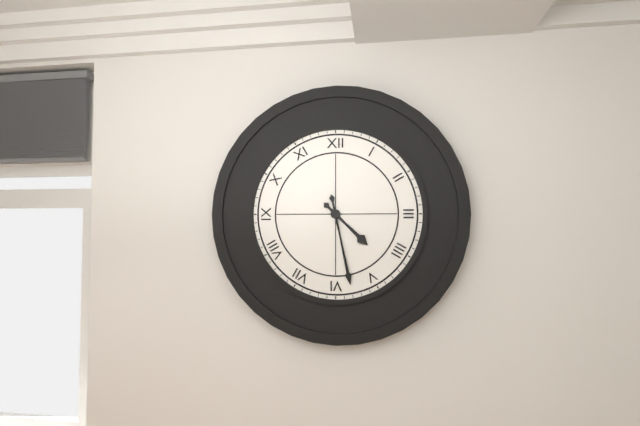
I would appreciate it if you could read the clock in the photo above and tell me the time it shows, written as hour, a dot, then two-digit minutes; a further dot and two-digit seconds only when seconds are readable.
4.28
